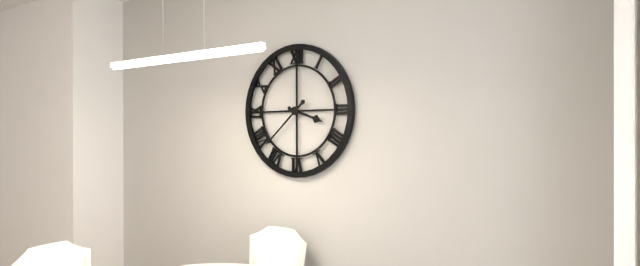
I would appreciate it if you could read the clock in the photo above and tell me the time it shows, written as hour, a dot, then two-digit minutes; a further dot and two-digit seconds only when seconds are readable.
3.38
